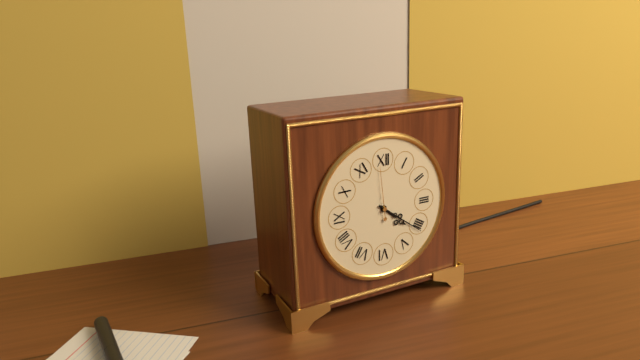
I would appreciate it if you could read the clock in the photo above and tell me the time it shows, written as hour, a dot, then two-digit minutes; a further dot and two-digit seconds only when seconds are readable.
4.21.59
